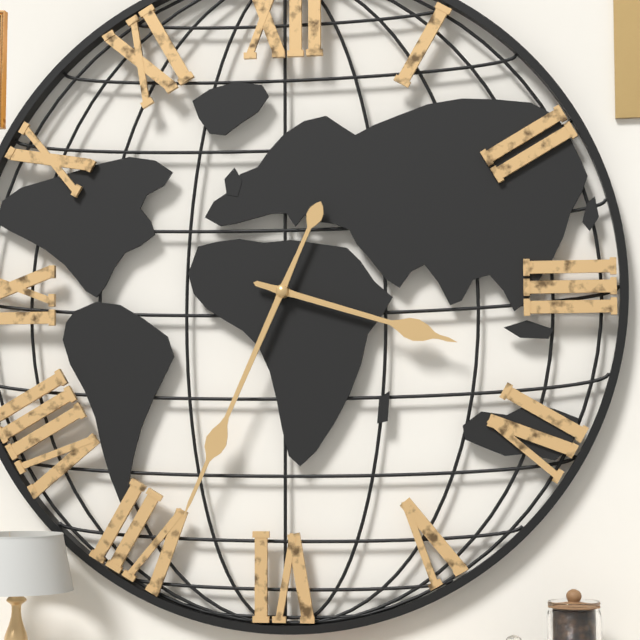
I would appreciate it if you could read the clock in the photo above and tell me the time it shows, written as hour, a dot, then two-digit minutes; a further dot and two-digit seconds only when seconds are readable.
3.34
